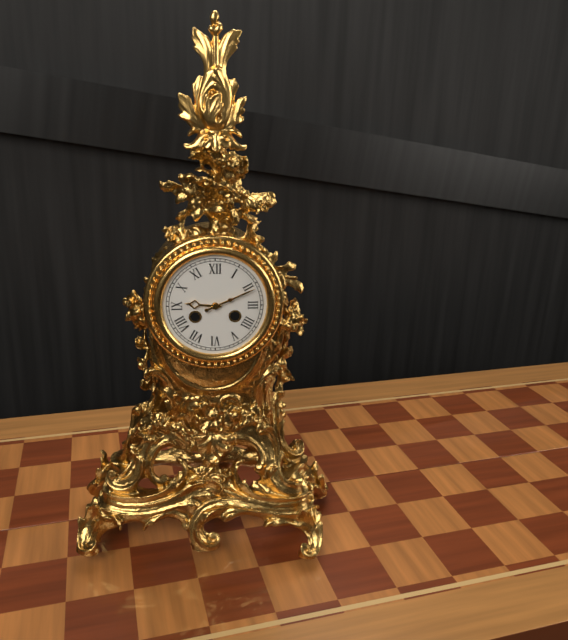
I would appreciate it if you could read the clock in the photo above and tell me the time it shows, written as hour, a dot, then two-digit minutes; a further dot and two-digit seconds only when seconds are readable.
9.11
